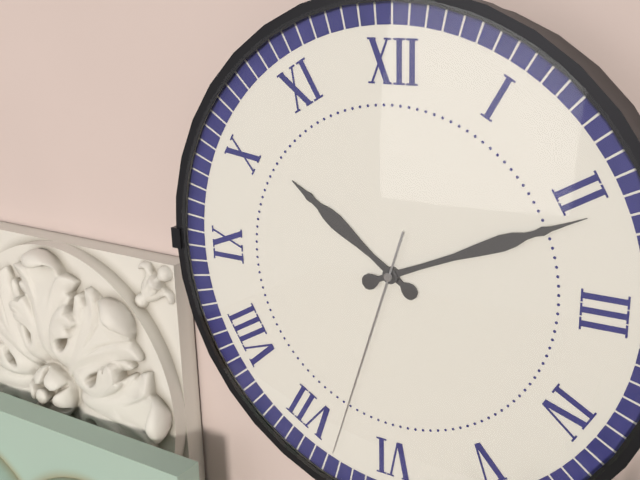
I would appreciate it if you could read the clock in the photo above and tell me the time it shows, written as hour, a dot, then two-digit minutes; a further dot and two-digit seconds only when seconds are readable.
10.11.33
